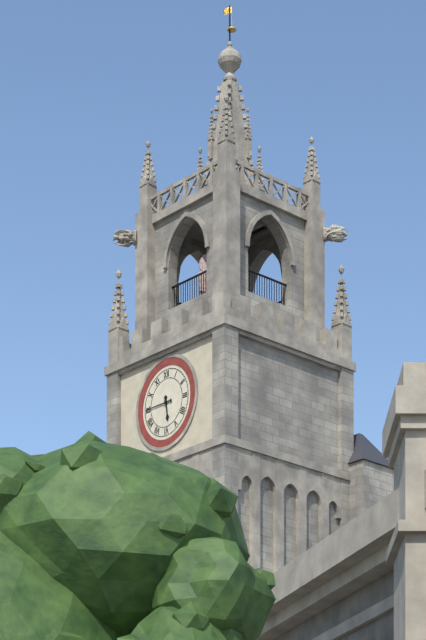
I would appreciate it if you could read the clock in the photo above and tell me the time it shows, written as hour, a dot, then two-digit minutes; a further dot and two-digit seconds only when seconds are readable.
5.45
